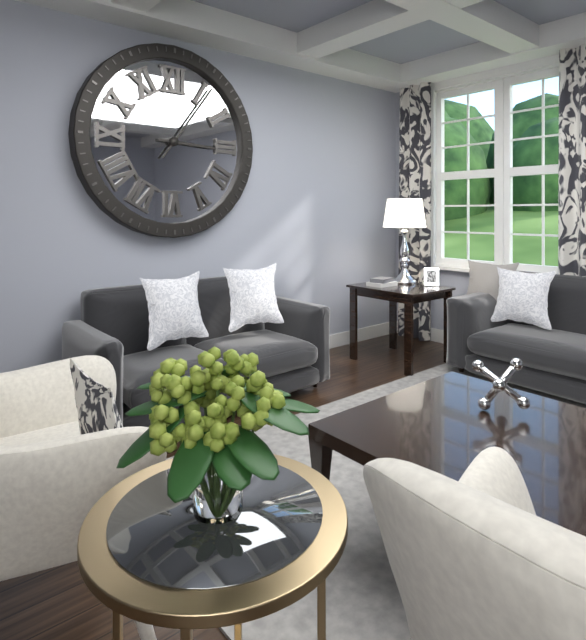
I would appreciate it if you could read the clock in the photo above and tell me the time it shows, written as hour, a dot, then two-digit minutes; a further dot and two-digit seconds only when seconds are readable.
3.06
